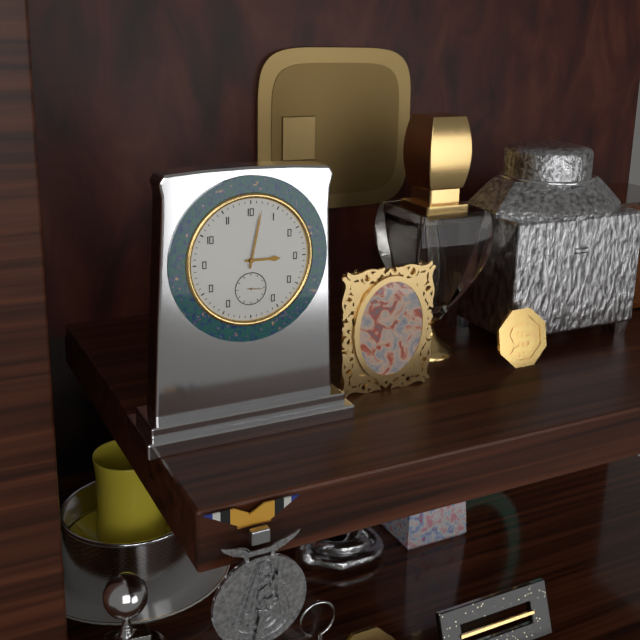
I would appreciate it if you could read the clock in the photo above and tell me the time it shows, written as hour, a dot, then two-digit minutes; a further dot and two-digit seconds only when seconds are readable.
3.02
